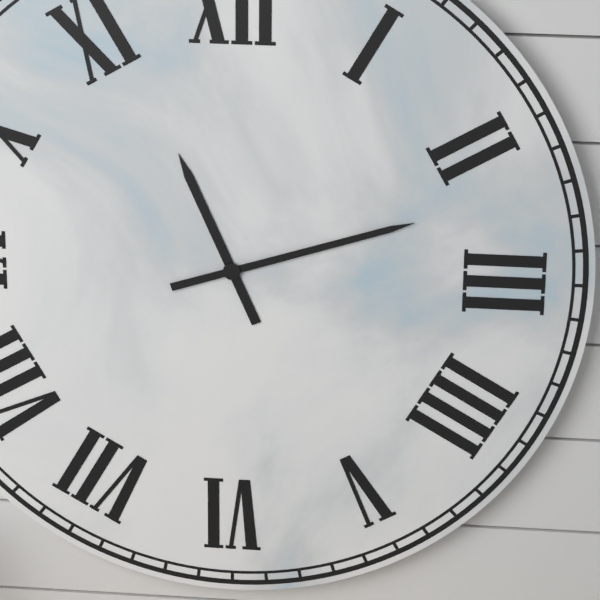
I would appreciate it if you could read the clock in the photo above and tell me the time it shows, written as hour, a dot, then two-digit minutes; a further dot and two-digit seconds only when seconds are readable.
11.12
